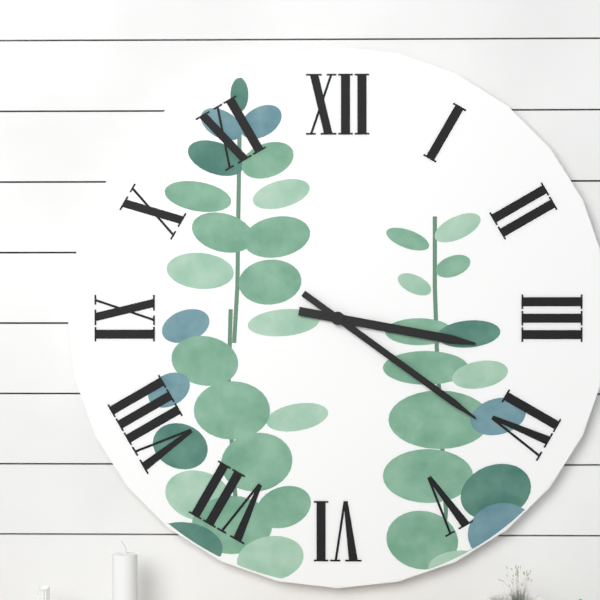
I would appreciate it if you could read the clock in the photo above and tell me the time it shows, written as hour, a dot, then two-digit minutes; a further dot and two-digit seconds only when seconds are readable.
3.21
